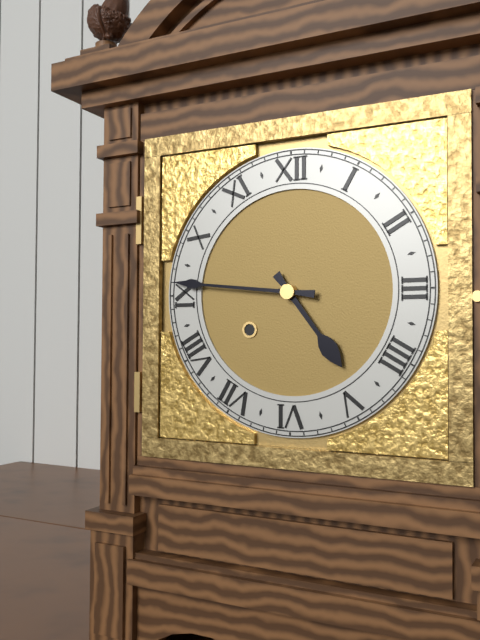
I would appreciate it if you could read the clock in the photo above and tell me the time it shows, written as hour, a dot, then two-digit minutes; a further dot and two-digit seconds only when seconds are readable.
4.46
